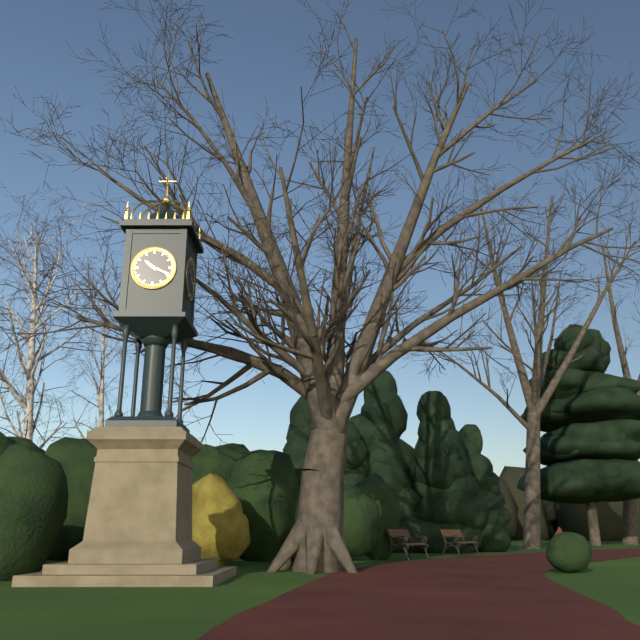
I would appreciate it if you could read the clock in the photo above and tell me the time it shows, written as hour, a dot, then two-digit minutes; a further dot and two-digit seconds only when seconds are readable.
10.19
